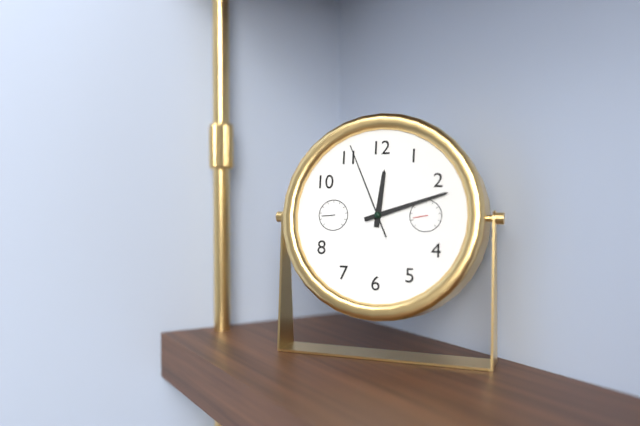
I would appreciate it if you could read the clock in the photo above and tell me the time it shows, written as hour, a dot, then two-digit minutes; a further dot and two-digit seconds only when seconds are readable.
12.12.56
